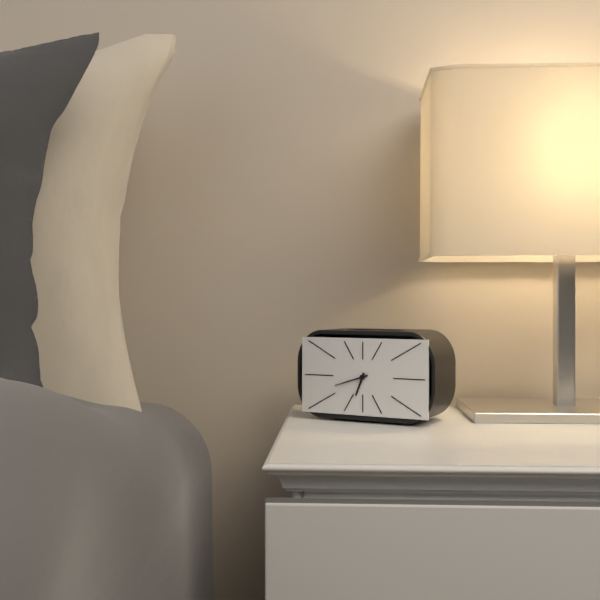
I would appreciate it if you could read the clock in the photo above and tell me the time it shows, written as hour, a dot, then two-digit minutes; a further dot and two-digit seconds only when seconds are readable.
6.42
